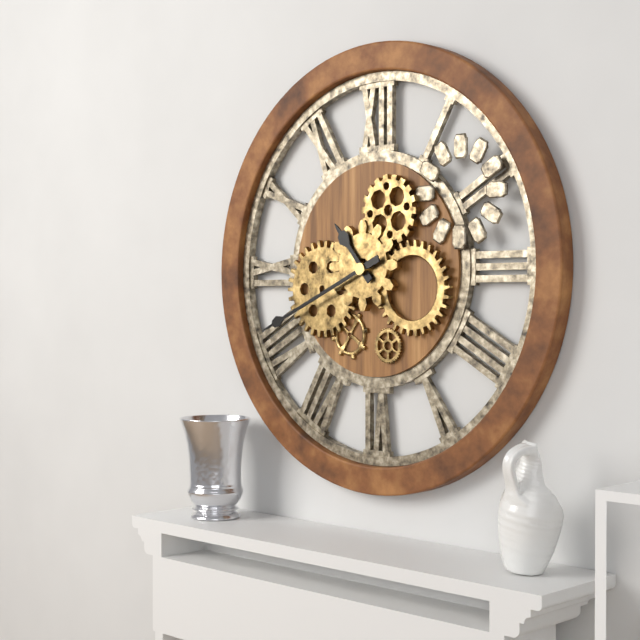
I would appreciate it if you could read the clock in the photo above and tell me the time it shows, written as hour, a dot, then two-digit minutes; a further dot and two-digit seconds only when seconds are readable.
10.41
